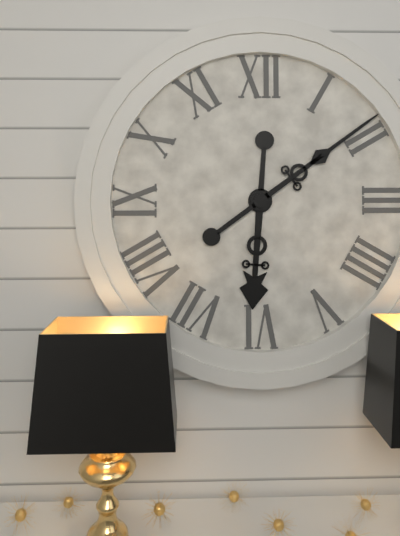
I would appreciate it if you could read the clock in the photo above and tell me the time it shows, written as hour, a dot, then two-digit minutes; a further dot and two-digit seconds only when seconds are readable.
6.09
